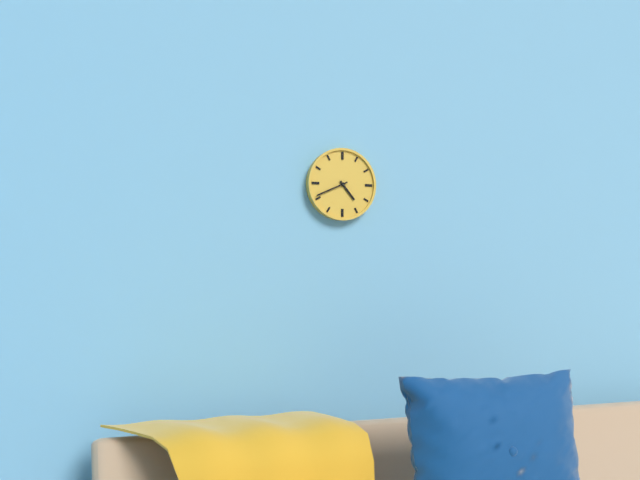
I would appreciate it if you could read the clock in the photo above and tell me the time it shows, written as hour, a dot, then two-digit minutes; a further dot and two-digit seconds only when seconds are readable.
4.41
